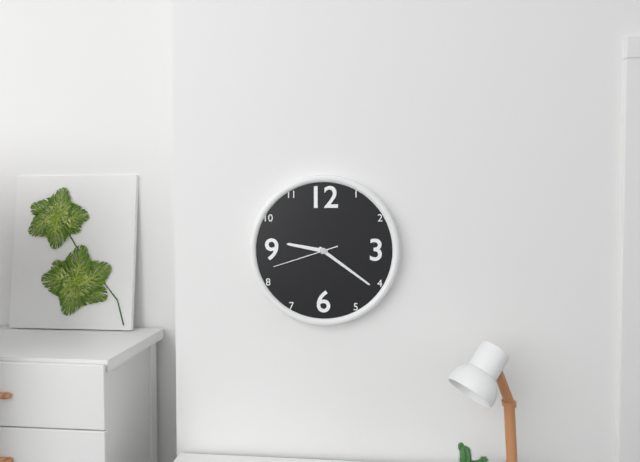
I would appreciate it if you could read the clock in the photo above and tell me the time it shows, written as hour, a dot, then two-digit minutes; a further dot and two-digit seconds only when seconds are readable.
9.21.42
